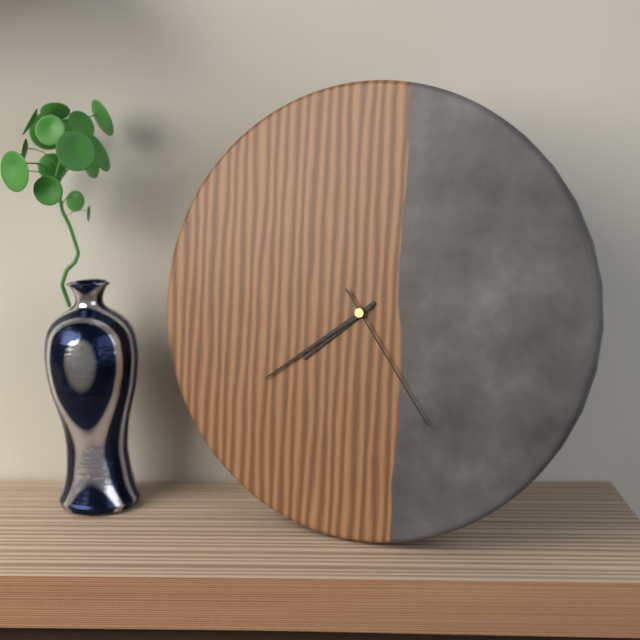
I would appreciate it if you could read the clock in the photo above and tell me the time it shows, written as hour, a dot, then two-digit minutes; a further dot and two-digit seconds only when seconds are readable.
7.39.24
